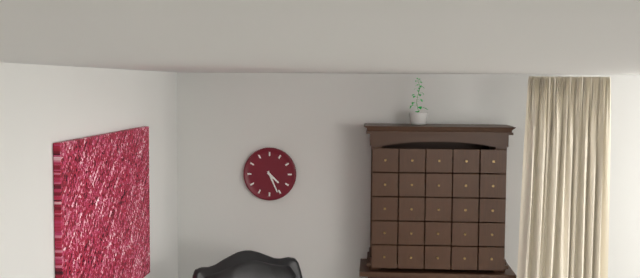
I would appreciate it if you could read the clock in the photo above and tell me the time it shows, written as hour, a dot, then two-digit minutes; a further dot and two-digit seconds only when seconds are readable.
4.26
